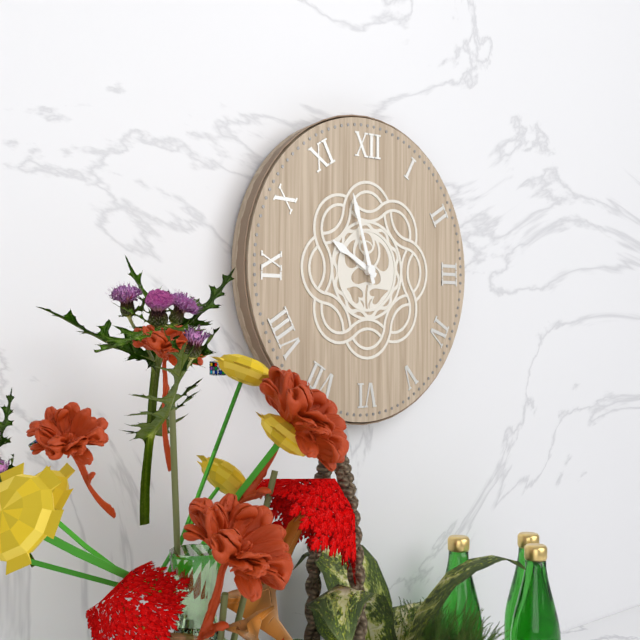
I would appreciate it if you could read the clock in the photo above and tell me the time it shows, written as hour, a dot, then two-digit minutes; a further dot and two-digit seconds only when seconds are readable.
9.57
